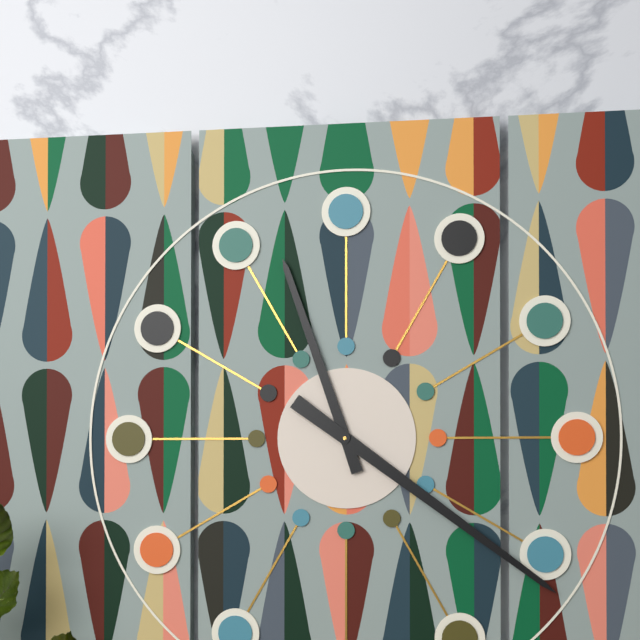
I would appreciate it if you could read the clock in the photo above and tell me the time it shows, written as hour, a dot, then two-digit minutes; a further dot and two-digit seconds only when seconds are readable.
11.21
